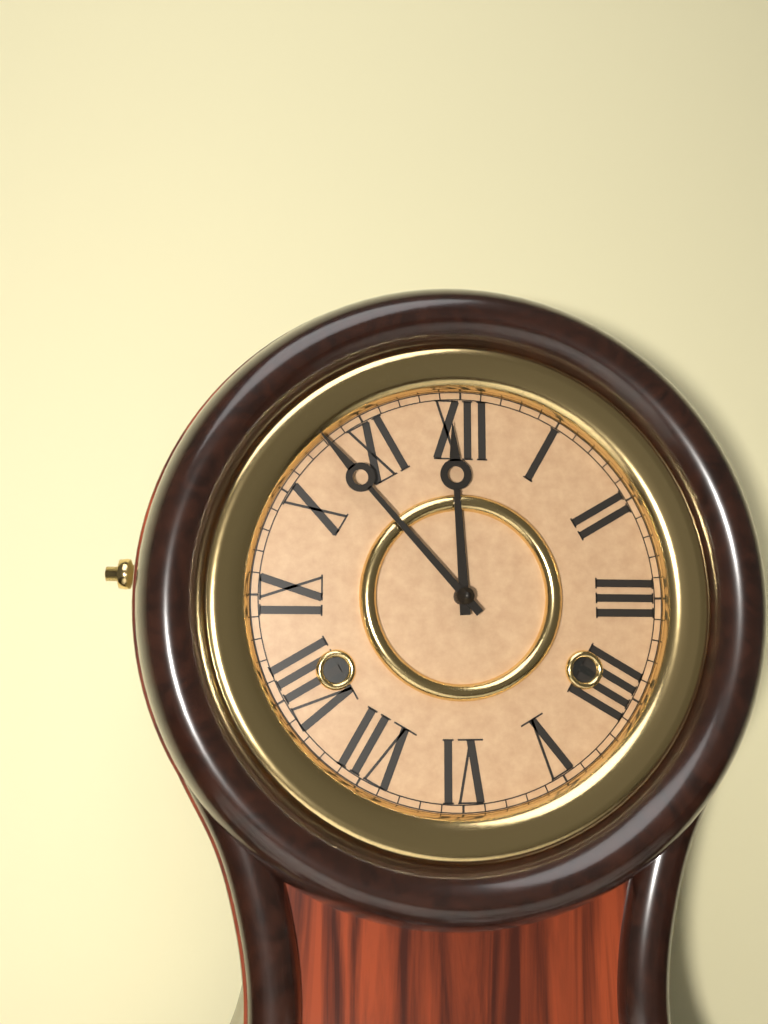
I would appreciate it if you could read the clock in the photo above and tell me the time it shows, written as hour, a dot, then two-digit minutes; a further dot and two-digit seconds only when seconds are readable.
11.53
